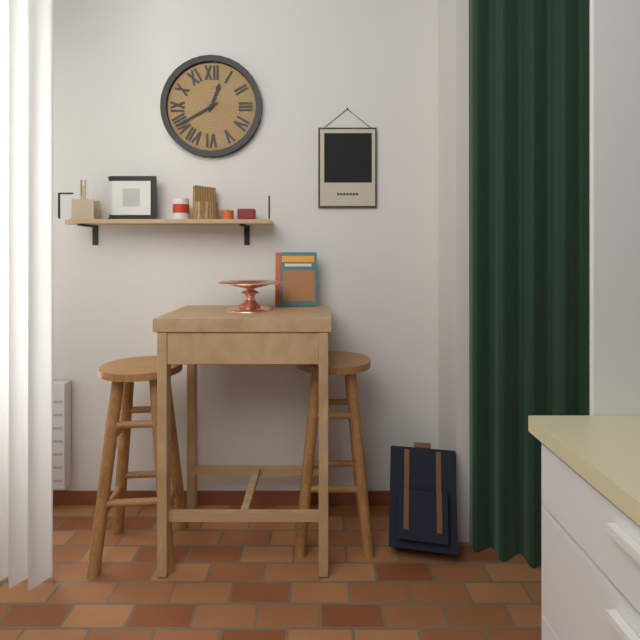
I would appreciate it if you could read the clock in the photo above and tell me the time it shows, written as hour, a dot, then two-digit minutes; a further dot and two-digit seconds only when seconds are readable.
12.40
